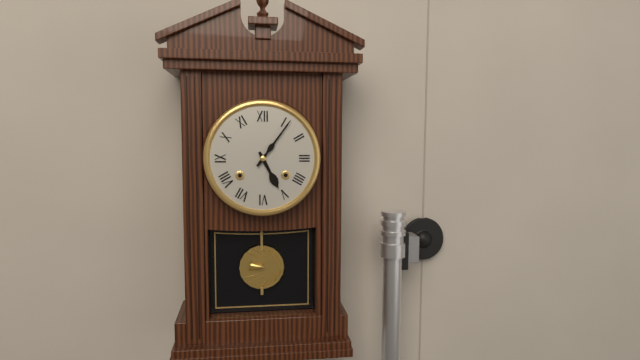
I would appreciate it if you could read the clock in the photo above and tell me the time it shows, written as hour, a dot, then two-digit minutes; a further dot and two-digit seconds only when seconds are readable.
5.06
